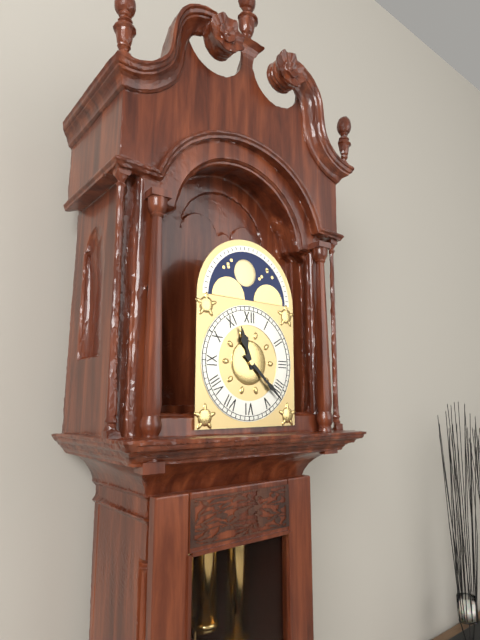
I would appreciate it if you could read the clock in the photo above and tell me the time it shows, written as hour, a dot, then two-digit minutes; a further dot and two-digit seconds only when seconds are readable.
11.22
